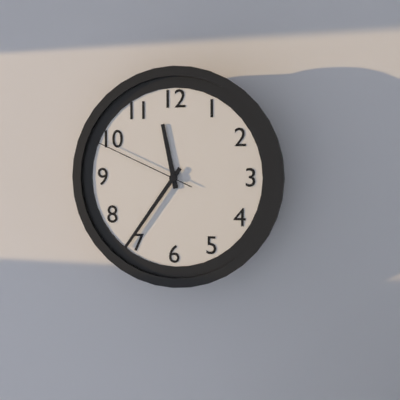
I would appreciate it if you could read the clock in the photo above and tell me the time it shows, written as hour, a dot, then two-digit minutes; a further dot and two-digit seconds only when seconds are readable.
11.36.49
